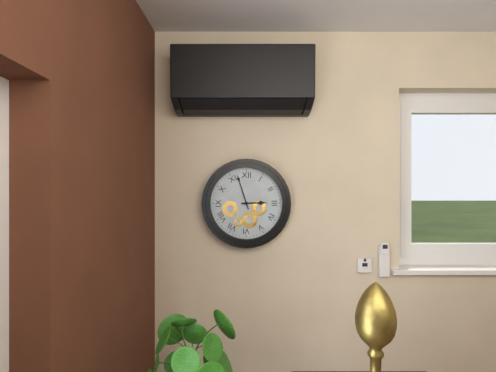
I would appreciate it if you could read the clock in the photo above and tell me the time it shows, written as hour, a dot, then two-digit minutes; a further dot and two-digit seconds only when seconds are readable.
2.57
